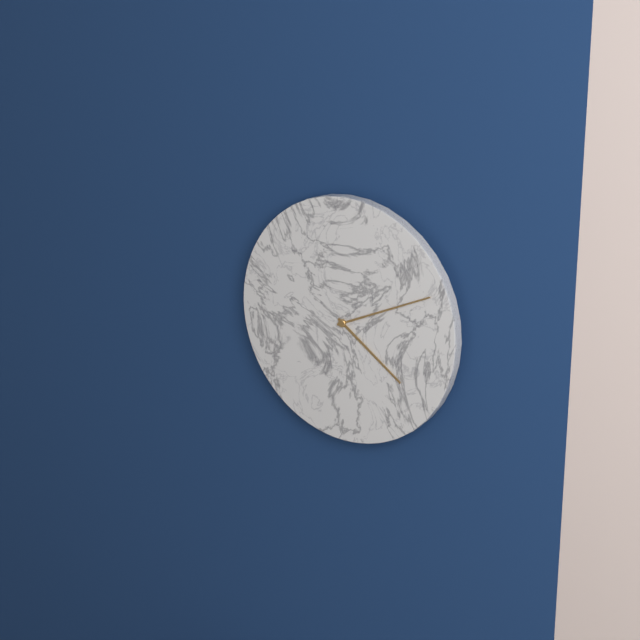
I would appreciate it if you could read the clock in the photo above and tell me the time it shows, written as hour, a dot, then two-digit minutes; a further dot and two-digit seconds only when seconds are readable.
4.11
